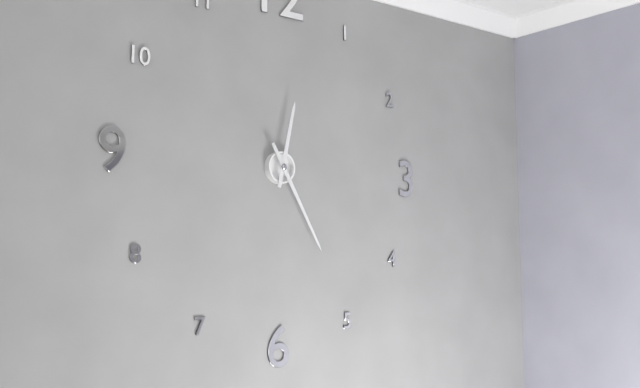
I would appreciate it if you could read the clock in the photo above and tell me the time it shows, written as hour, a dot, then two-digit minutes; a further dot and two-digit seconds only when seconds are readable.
12.25
